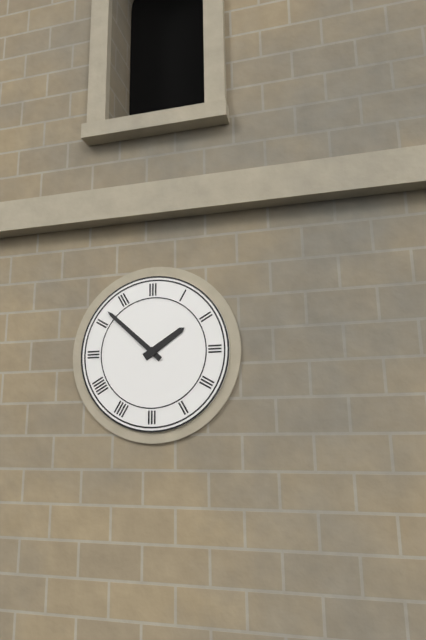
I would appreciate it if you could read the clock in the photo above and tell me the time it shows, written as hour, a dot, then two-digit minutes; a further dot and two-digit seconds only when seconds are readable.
1.52
